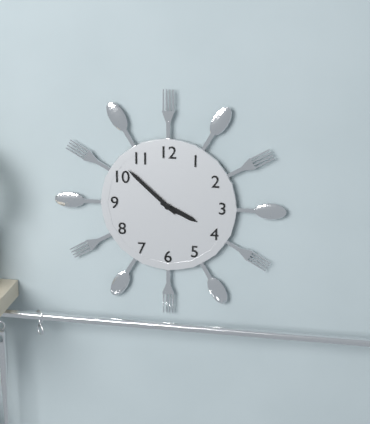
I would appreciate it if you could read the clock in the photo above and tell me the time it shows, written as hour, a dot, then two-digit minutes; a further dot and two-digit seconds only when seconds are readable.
3.52
